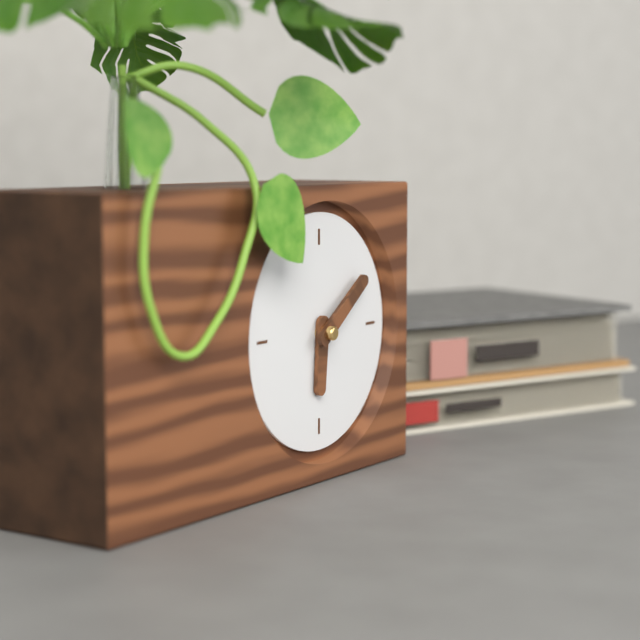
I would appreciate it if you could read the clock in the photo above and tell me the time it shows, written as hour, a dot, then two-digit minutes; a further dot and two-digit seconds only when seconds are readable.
6.09
